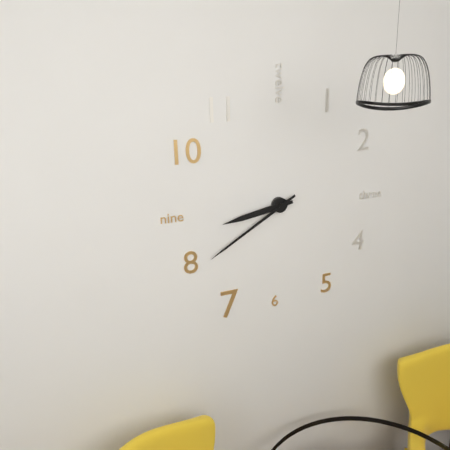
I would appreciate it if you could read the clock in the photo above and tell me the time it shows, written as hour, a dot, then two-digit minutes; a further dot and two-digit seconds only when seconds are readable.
8.40
